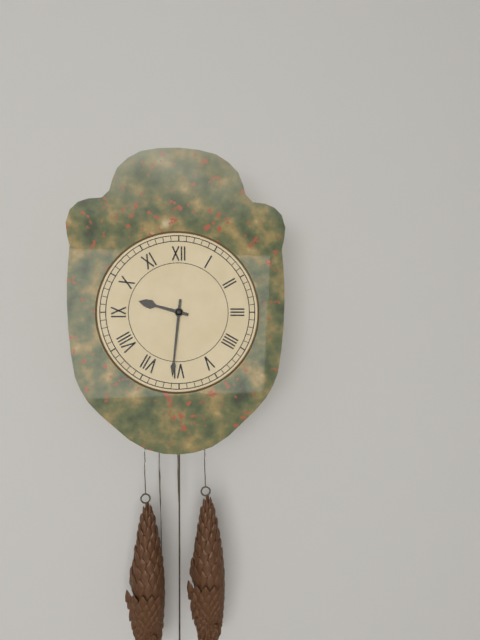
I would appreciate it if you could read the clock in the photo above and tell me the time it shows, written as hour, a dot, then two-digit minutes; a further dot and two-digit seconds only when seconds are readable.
9.31
